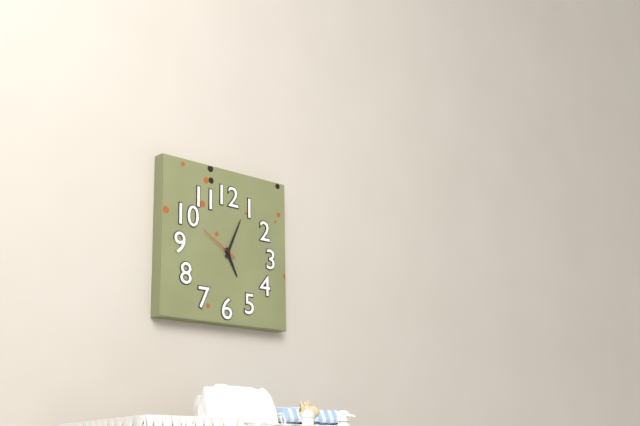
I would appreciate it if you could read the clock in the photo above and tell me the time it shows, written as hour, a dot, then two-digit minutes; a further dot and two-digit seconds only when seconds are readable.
5.04
